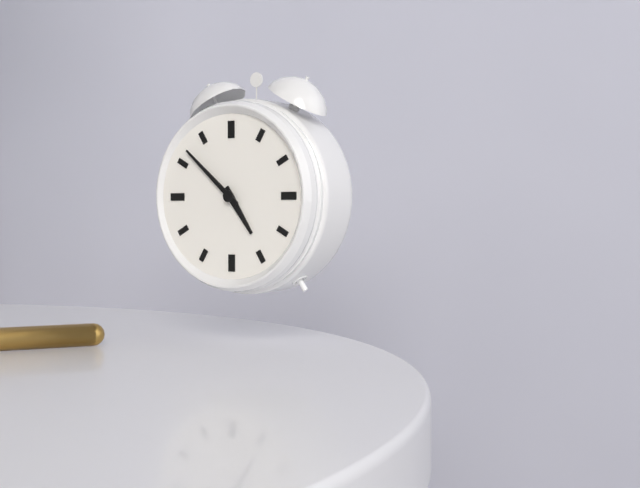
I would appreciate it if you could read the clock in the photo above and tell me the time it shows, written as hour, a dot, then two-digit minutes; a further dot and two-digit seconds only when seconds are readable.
4.52
